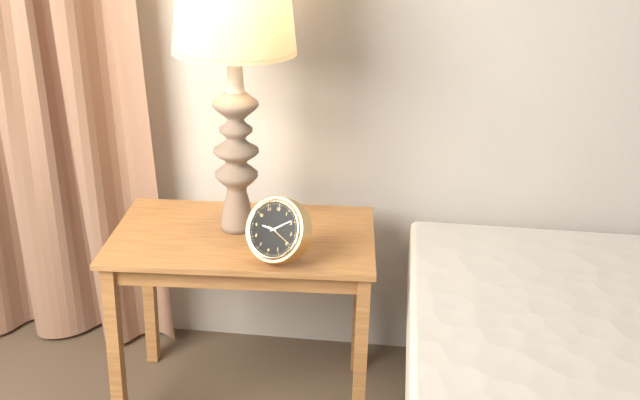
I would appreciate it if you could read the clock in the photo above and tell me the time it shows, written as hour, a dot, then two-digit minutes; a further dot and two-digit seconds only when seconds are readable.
9.09
